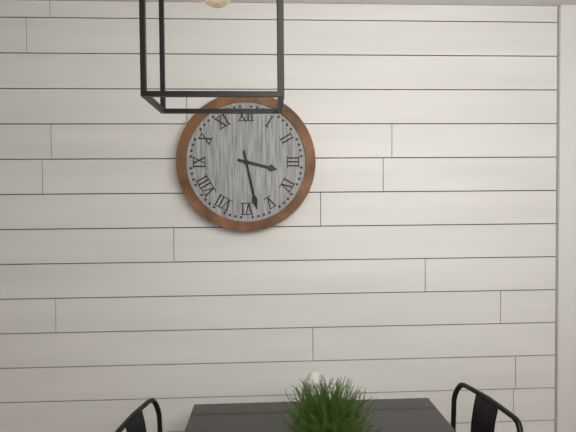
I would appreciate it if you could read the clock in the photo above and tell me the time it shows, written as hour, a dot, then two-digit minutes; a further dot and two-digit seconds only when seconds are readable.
3.28
